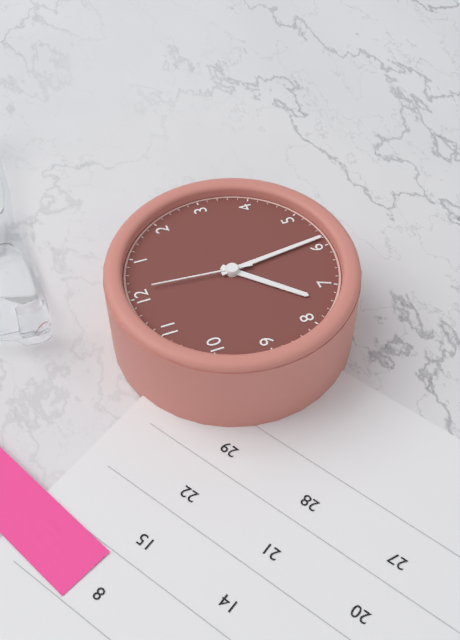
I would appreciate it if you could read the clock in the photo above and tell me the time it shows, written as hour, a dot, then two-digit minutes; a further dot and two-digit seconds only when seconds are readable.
7.29.01
